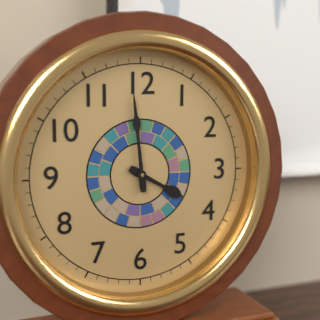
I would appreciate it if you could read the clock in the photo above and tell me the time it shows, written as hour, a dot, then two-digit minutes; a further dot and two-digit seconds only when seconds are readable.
3.59
